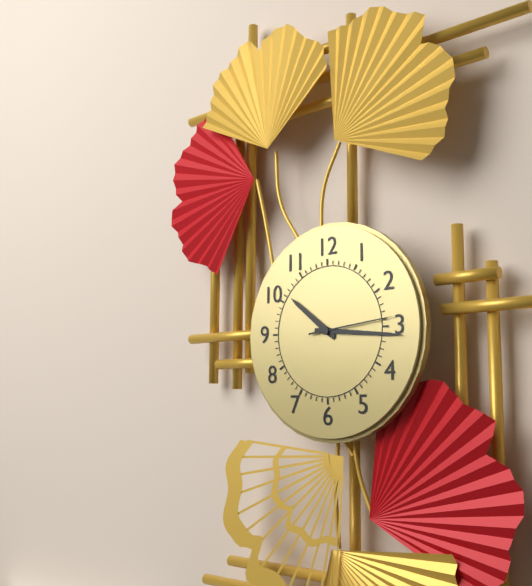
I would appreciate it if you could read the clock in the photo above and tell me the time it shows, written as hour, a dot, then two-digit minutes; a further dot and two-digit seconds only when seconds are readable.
10.16.14
